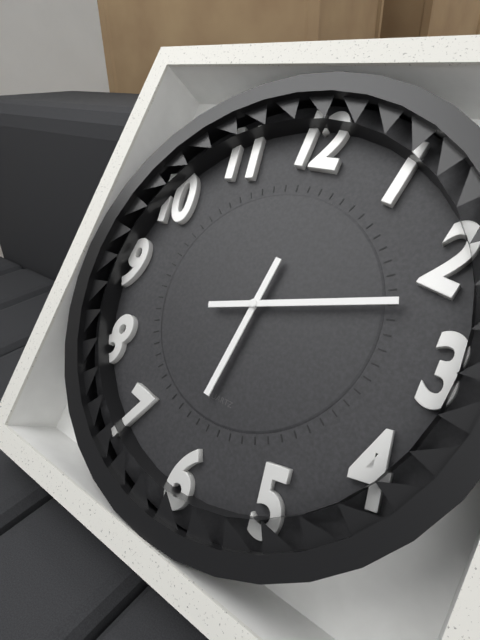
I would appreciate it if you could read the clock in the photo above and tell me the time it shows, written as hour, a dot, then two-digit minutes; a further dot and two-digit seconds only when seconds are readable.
6.12
